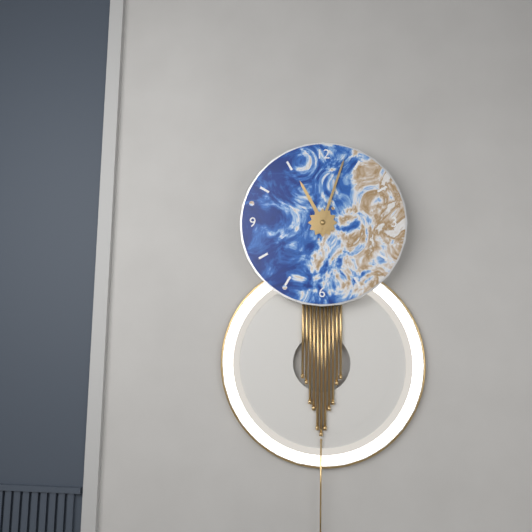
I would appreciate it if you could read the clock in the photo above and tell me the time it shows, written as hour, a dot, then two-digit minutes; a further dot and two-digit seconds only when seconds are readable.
11.03
